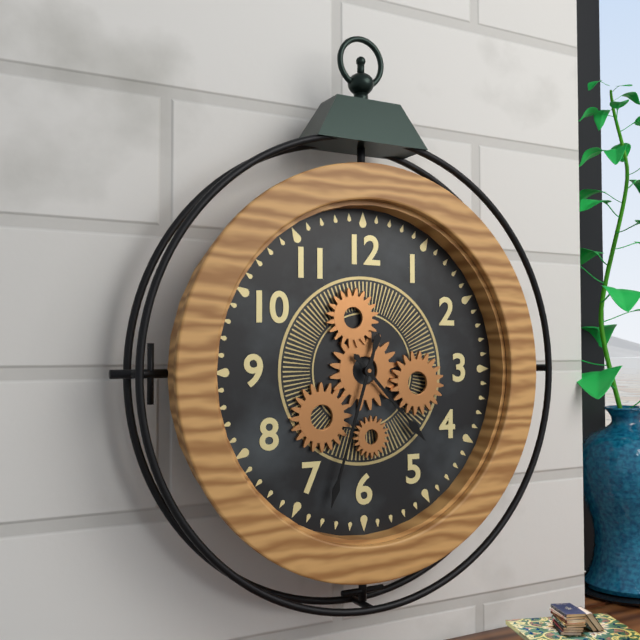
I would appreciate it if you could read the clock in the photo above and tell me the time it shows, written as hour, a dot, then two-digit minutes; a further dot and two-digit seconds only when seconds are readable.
4.33
